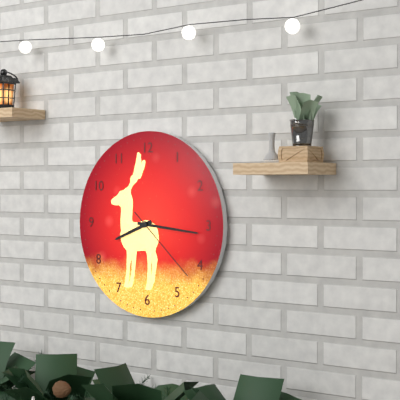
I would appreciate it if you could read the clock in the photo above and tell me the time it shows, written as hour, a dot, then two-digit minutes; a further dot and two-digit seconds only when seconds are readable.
8.16.22
